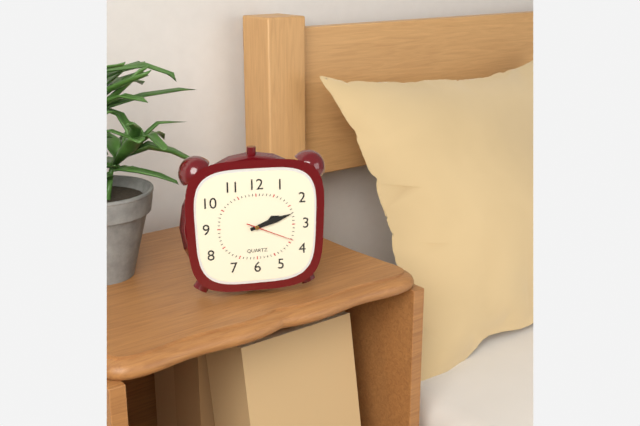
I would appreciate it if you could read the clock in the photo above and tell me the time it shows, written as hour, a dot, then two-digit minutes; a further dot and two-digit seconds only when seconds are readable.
2.12
